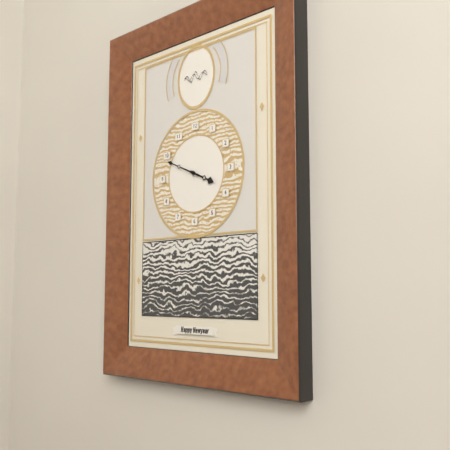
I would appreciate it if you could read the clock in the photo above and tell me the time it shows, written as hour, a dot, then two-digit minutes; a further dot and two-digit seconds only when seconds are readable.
3.49
